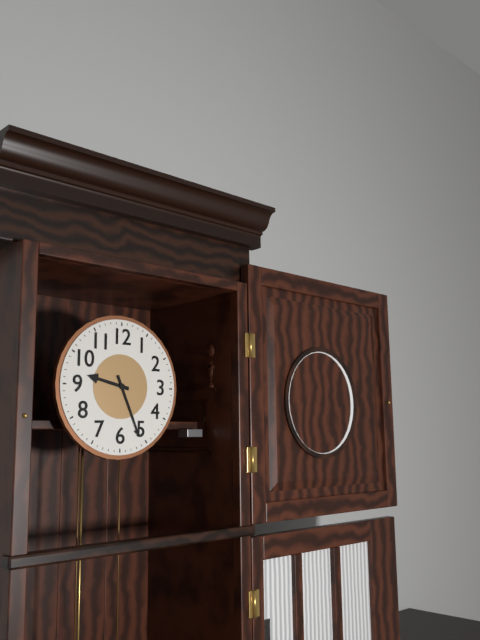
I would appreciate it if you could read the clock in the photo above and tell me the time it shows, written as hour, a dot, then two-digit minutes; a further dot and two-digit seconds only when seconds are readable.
9.26
